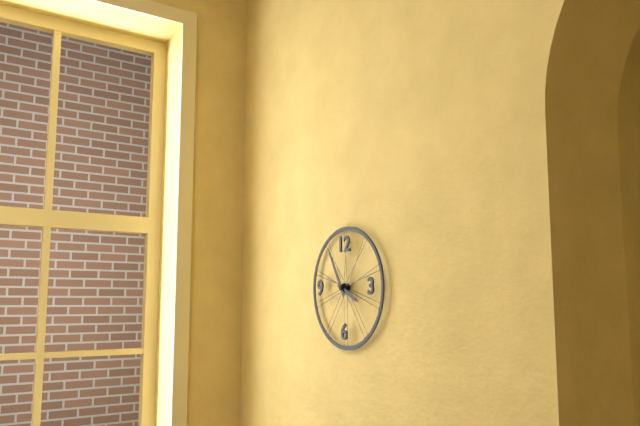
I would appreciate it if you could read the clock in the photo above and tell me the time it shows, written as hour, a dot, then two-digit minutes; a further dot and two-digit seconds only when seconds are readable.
3.55
